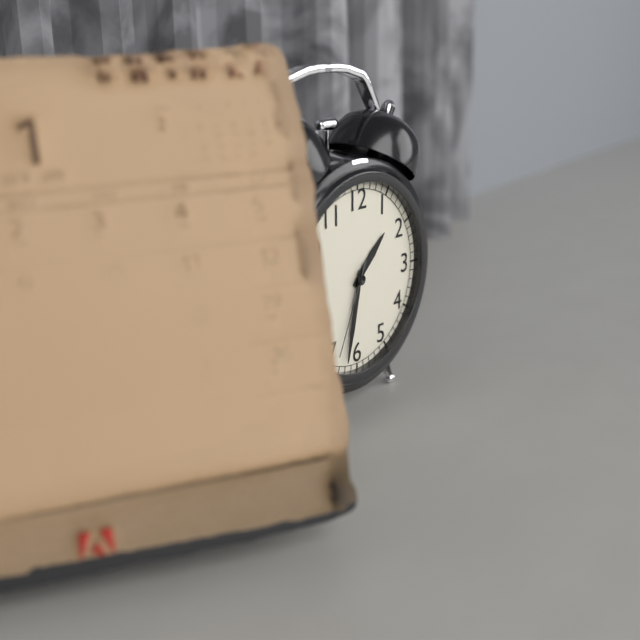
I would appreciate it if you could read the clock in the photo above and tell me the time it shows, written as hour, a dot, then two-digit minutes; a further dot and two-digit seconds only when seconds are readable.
1.32.34
